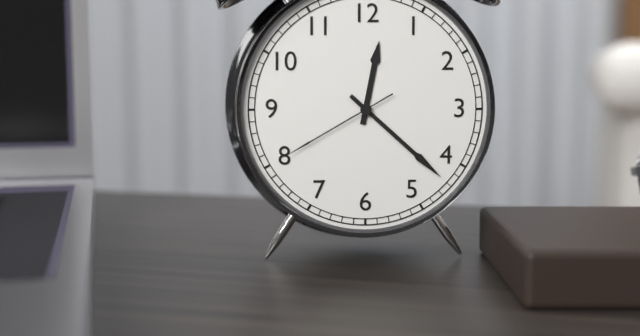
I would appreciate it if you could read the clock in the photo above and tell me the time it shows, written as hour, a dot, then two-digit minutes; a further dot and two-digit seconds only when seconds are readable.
12.22.40
